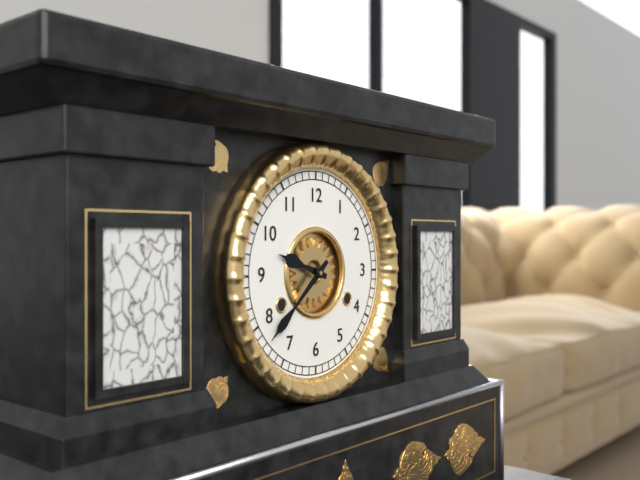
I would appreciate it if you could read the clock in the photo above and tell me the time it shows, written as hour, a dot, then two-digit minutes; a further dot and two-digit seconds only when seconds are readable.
9.38
